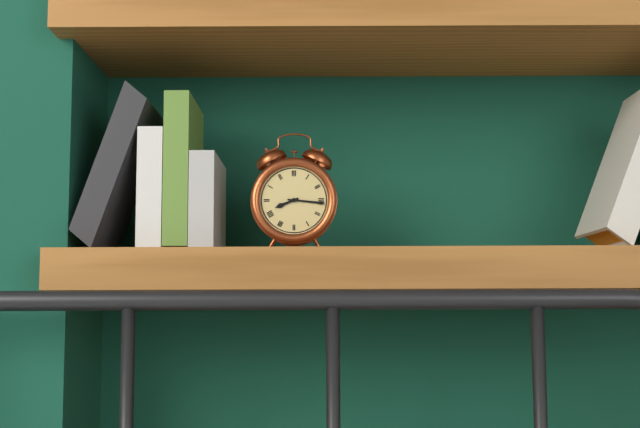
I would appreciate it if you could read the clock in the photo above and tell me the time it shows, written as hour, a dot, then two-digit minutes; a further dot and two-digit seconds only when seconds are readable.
8.16
